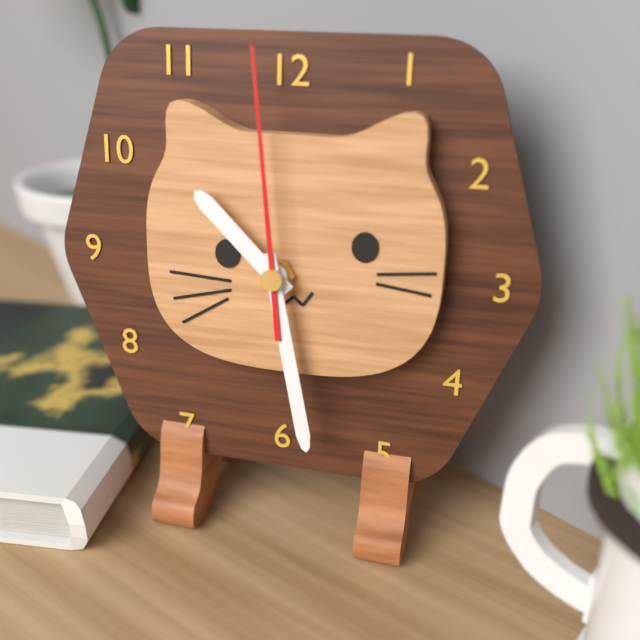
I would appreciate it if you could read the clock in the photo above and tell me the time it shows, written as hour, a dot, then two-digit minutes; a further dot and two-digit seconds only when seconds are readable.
10.28.59
